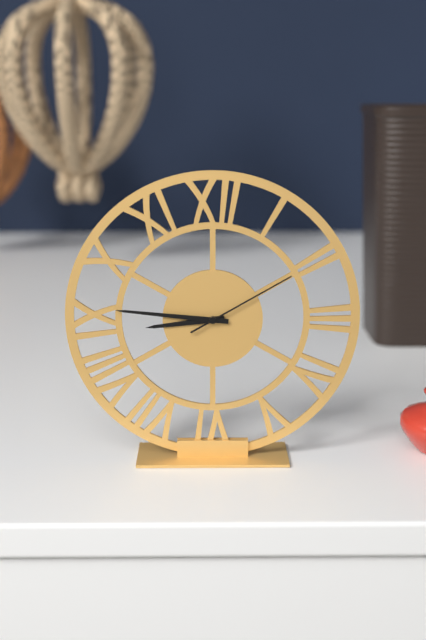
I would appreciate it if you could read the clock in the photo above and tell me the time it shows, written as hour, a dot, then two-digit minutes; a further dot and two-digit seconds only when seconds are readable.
8.46.10
